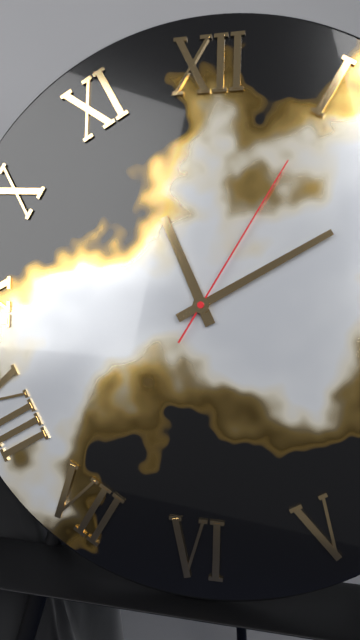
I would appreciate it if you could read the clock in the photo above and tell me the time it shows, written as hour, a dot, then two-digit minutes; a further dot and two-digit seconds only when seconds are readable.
11.10.05
